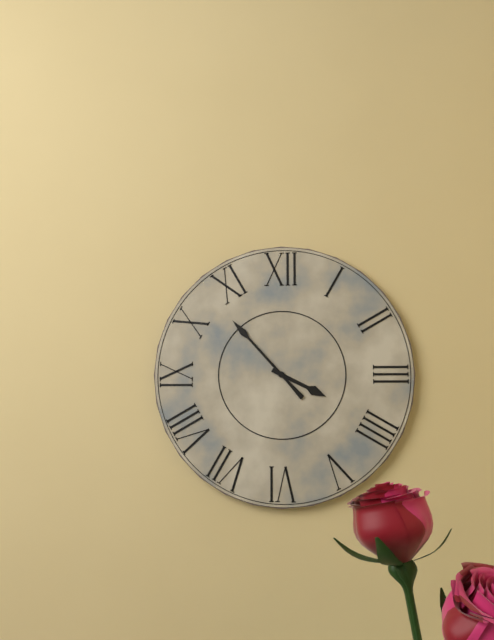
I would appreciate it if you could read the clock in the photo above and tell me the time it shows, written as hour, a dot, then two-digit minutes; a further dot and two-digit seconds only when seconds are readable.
3.53
